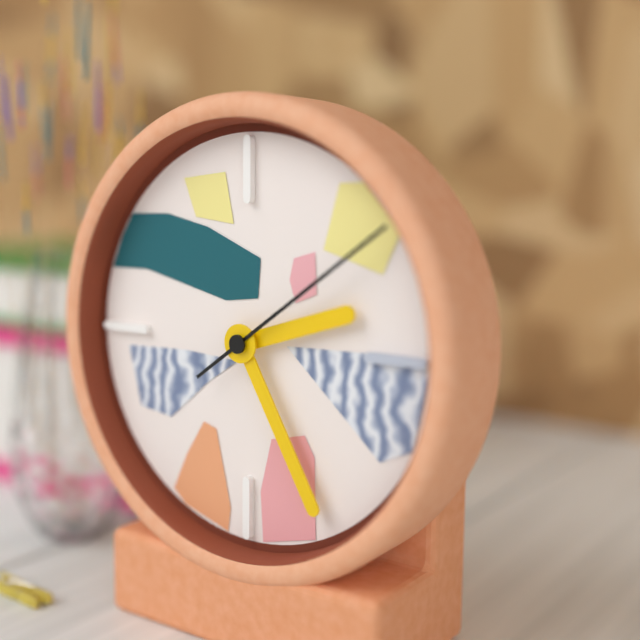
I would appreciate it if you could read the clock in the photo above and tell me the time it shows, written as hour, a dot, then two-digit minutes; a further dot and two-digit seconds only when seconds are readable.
2.25.09
